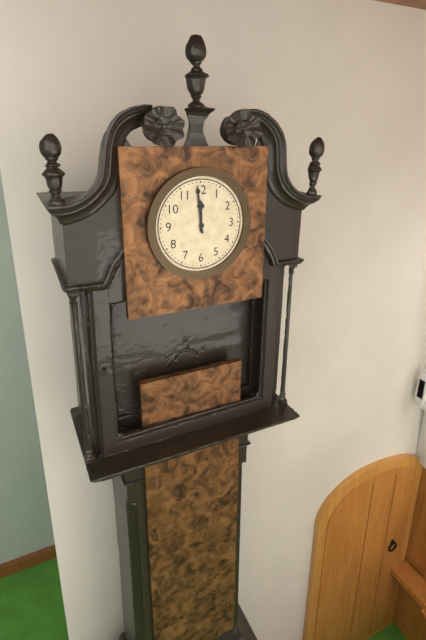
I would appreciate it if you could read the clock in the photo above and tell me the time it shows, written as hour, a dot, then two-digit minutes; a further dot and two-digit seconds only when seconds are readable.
11.59
